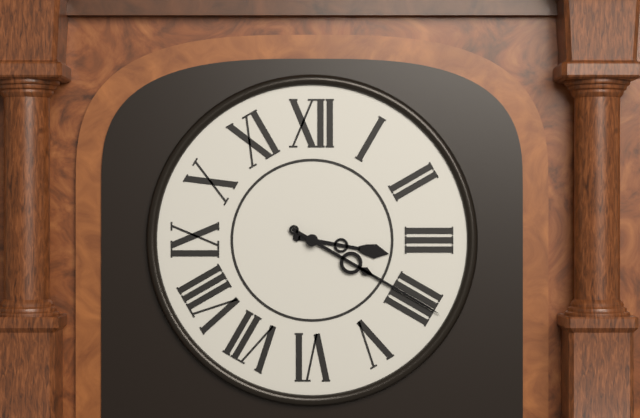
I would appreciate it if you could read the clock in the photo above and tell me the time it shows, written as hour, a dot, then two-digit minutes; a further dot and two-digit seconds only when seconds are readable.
3.20
